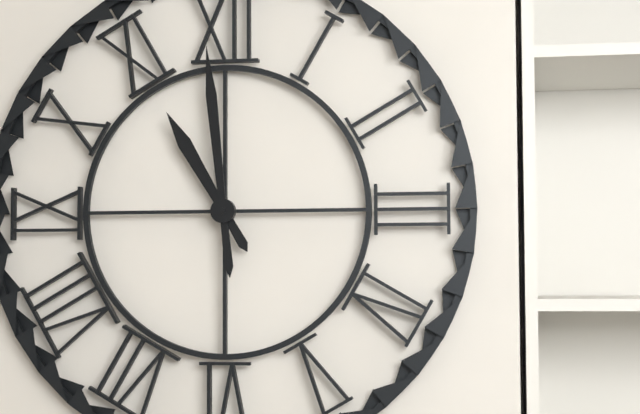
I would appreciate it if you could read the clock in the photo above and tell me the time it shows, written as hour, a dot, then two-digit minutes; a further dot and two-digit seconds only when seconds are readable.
10.59
